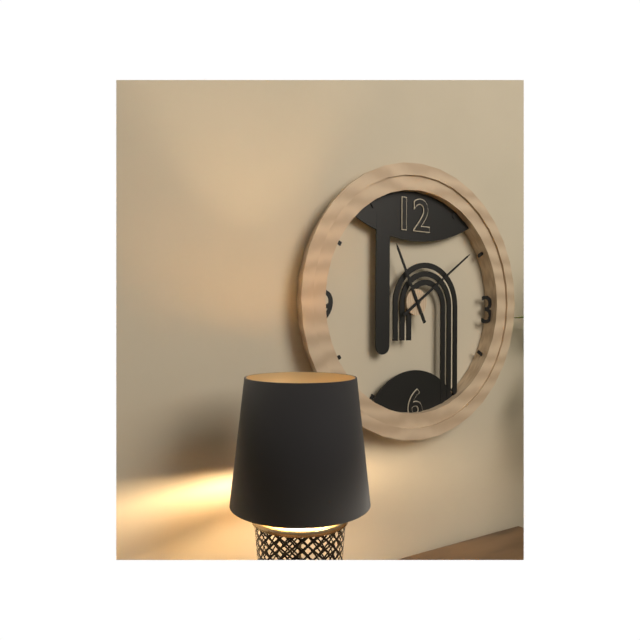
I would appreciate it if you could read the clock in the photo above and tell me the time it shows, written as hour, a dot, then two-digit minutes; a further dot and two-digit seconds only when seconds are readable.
11.09
